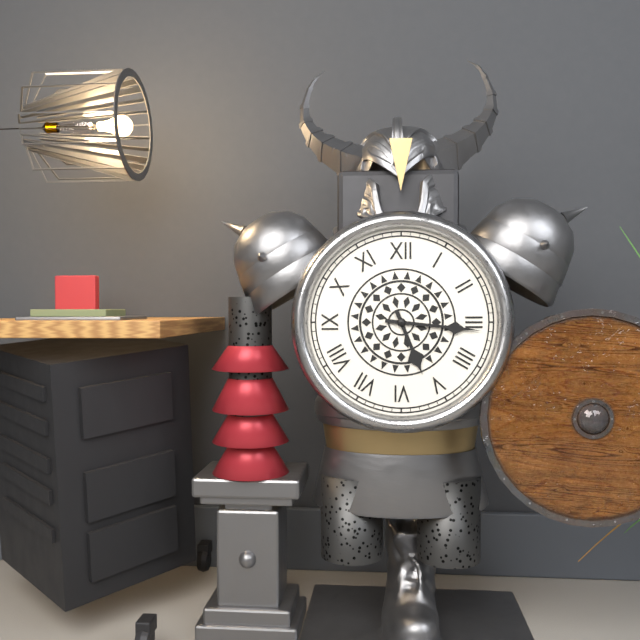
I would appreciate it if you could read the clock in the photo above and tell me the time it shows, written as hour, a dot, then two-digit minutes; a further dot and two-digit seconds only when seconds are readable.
5.16
